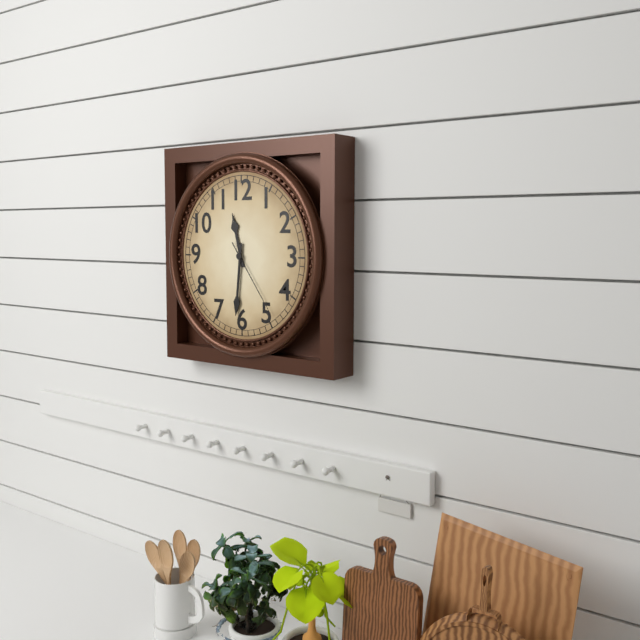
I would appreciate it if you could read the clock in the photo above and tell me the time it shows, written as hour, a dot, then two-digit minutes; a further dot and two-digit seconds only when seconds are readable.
11.31.24
